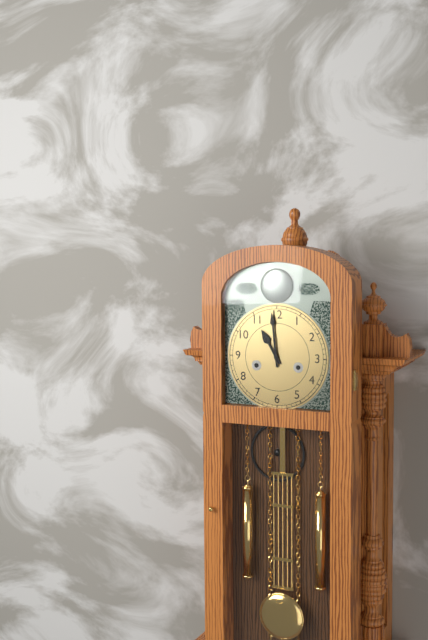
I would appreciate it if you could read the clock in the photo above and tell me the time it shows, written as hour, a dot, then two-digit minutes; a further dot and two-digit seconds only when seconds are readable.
10.59
